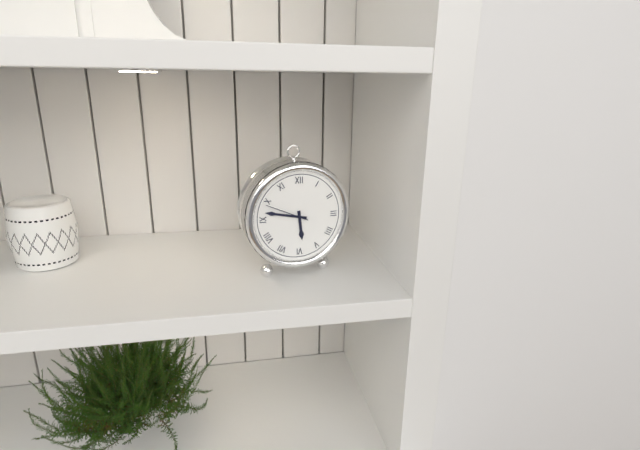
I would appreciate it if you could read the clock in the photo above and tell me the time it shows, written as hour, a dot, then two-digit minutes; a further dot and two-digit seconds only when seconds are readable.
5.47
